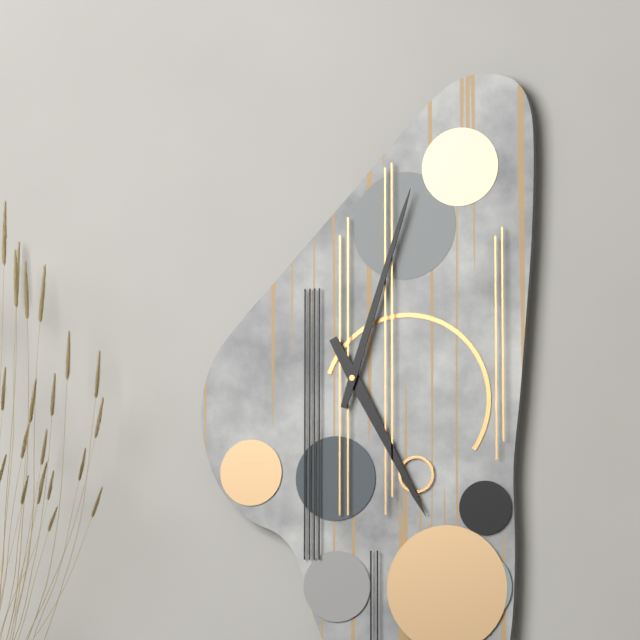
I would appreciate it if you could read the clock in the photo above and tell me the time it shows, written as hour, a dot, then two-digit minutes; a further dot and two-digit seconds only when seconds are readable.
5.03
